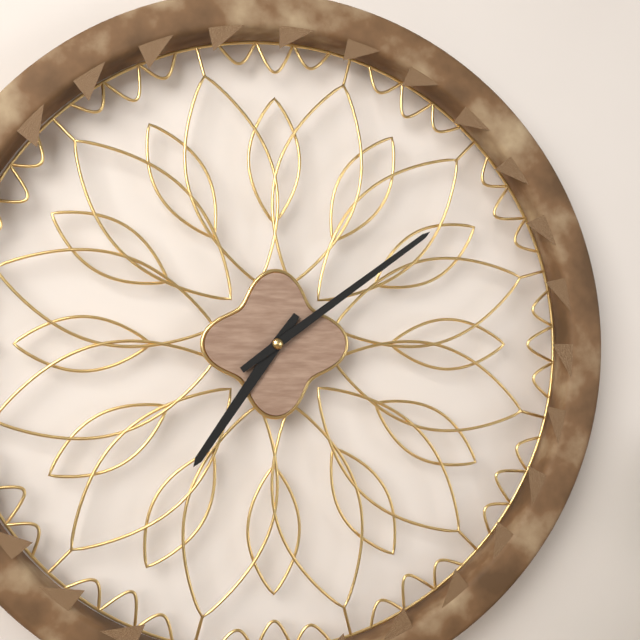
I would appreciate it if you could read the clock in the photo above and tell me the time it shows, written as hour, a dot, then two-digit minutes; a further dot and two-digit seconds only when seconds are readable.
7.09
